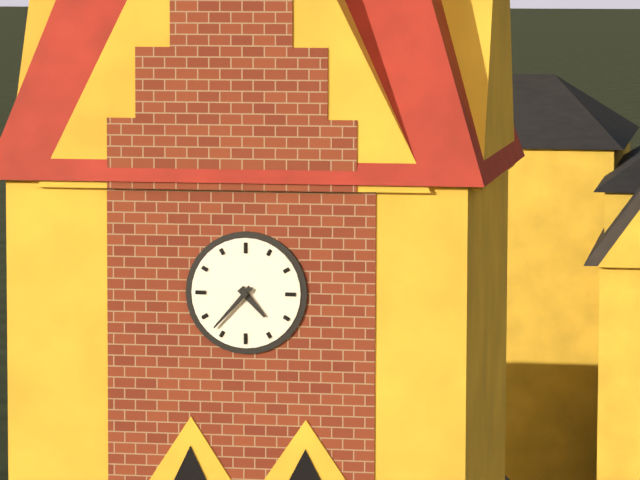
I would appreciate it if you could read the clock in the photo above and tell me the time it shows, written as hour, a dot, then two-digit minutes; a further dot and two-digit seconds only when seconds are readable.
4.37
